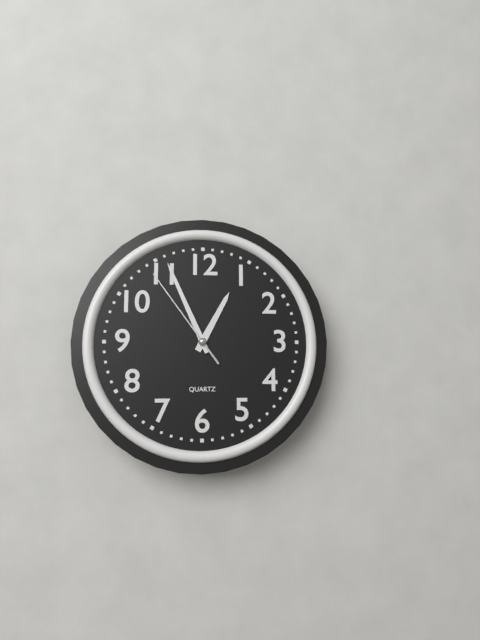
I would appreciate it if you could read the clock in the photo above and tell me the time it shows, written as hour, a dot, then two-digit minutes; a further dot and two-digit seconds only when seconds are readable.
12.56.54
